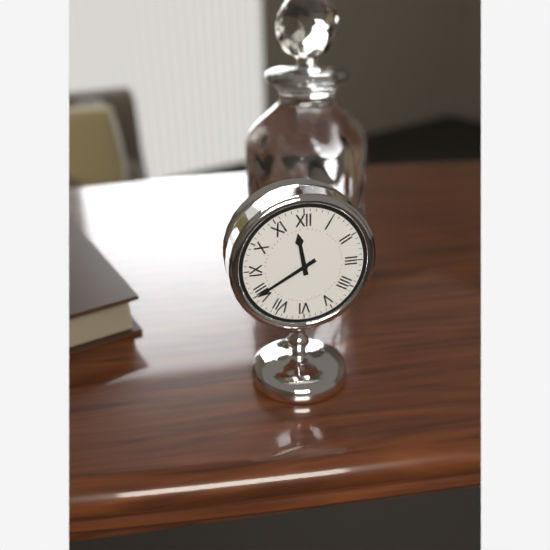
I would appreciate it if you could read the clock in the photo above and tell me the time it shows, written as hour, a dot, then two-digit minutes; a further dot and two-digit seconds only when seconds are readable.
11.40
